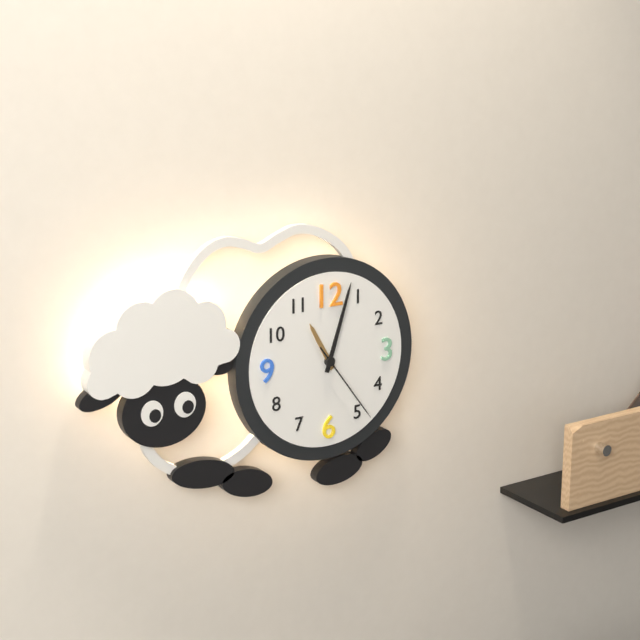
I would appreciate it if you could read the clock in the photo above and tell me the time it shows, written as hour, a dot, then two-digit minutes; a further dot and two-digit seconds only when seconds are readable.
11.03.24
